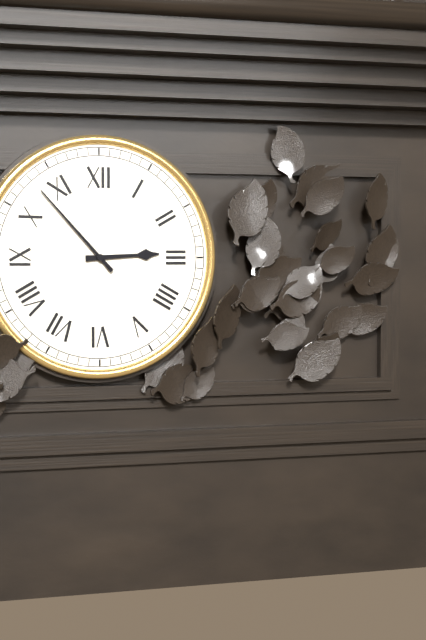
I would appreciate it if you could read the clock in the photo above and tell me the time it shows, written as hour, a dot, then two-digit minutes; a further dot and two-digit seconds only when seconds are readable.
2.53
